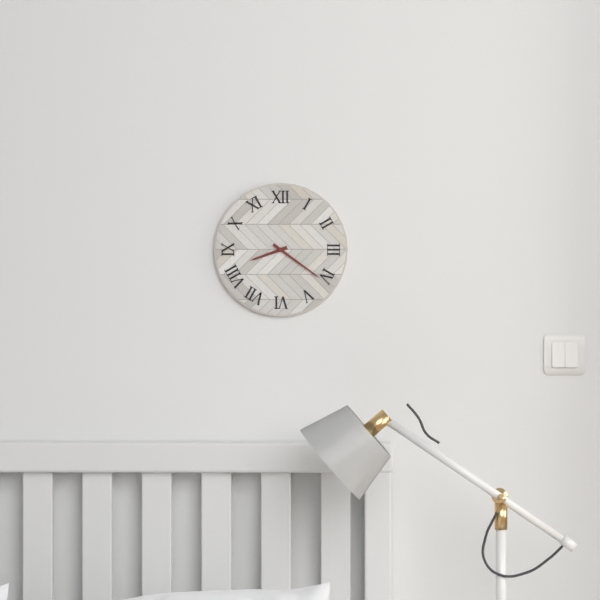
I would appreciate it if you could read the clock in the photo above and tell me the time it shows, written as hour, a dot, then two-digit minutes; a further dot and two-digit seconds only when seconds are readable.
8.21
